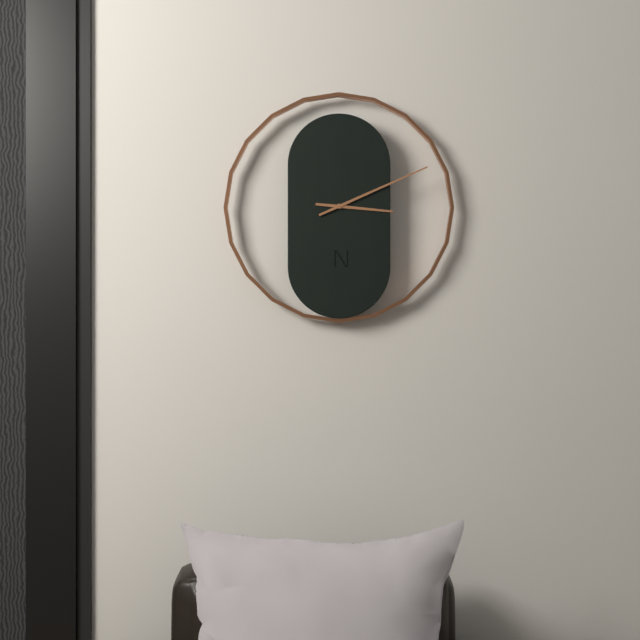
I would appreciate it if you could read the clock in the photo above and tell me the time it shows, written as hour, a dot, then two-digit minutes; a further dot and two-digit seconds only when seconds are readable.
3.11
